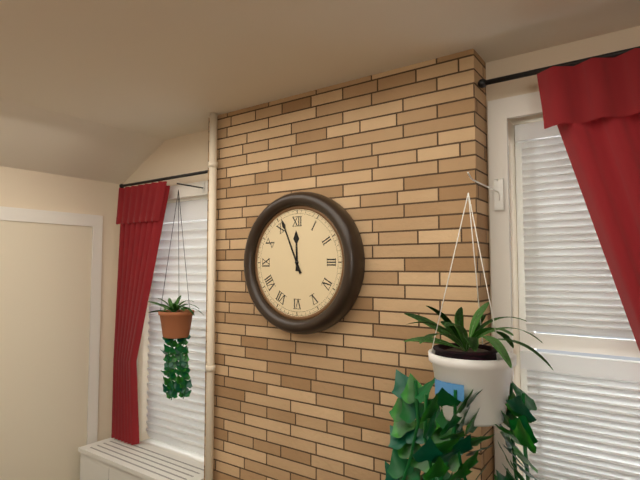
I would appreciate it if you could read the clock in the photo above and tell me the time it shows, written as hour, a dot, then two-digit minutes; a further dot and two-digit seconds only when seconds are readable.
11.56
